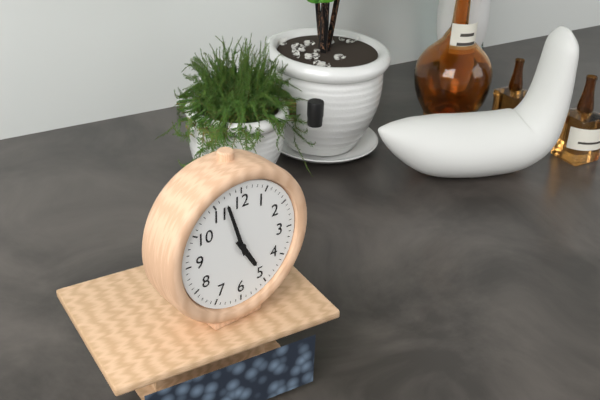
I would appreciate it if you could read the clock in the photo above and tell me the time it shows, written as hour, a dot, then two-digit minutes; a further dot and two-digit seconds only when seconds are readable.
4.57
